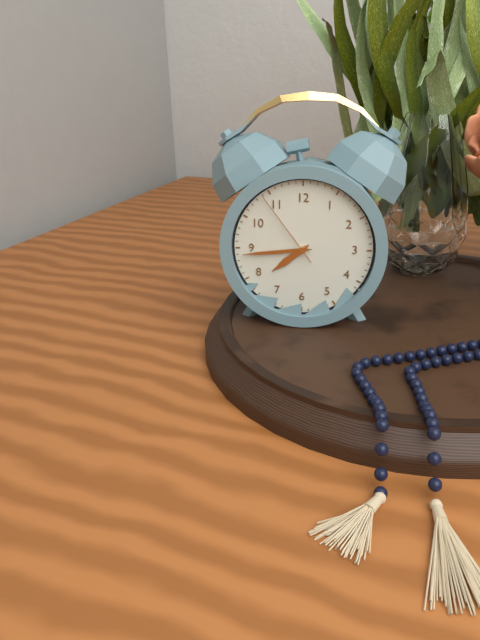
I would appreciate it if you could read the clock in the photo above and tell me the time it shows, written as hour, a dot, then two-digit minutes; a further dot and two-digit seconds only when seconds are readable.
7.44.54
